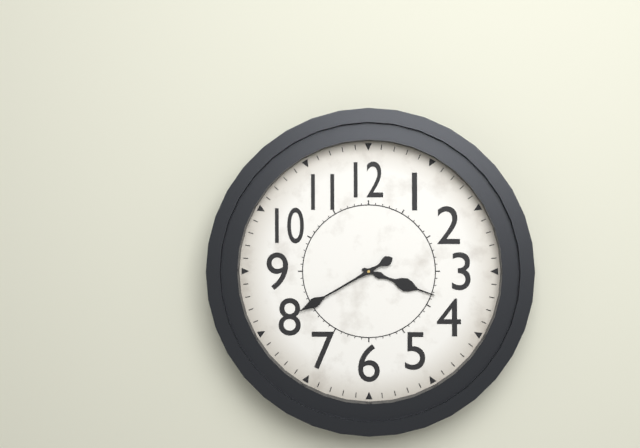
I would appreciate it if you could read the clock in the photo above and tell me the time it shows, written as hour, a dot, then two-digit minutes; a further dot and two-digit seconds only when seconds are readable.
3.40
